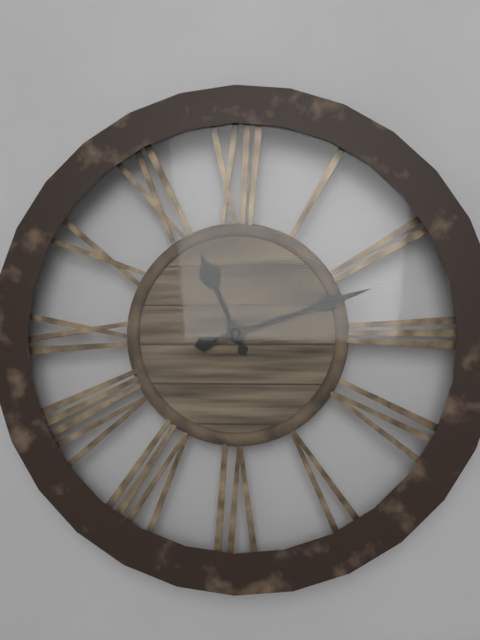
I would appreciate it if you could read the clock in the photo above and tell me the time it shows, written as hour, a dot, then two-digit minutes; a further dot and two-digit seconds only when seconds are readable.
11.12
